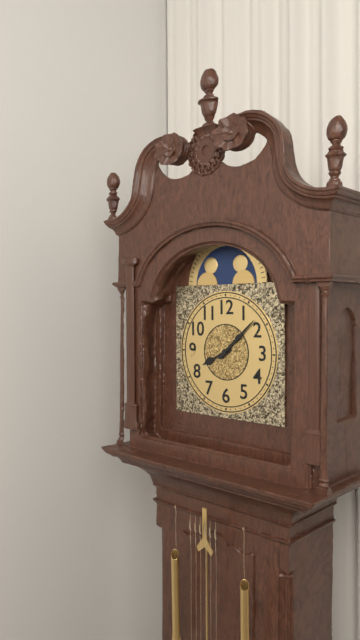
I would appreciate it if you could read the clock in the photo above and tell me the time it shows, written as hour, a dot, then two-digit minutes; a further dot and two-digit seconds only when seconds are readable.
8.08
